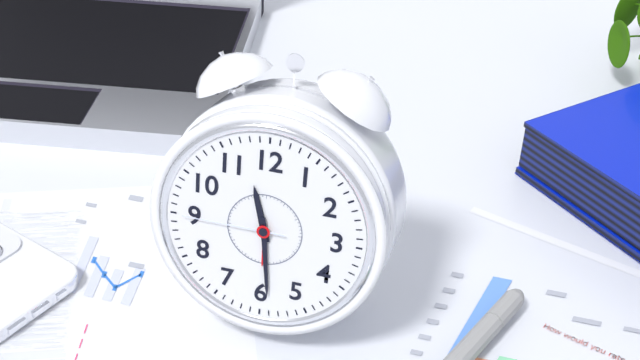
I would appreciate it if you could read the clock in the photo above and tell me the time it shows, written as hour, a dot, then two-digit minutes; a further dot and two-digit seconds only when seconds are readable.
11.29.45
